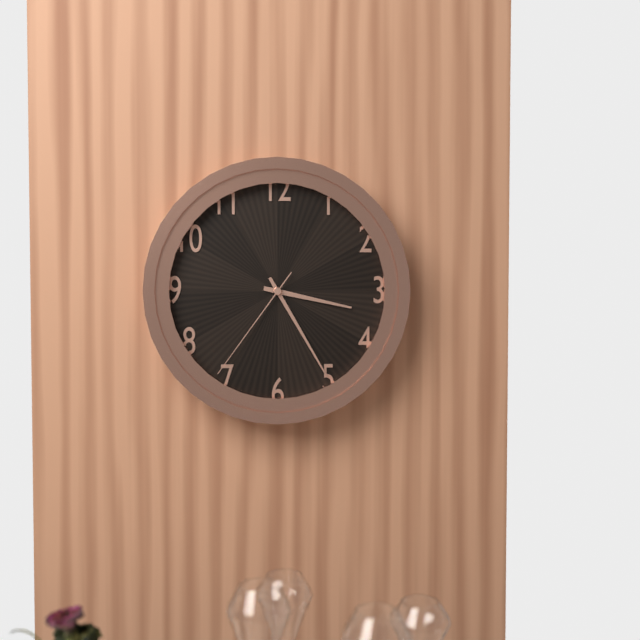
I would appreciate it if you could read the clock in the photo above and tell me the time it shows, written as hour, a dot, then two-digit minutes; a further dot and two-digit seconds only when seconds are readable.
3.25.36
